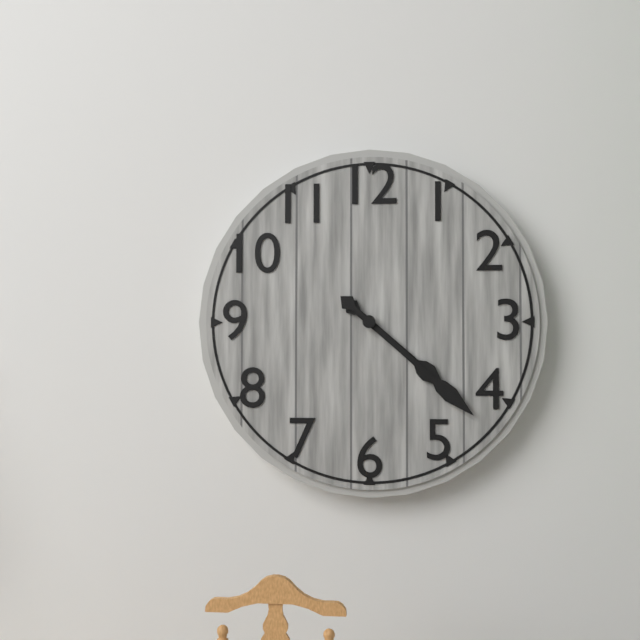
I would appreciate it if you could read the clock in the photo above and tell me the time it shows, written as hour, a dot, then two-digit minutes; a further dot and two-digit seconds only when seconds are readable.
4.22
